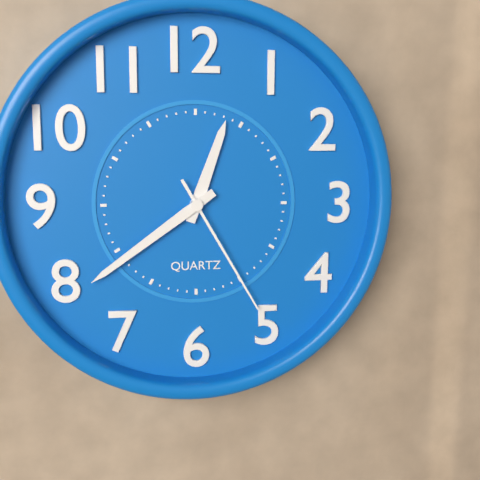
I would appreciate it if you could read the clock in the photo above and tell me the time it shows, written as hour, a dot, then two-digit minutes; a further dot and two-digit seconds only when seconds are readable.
12.39.25
